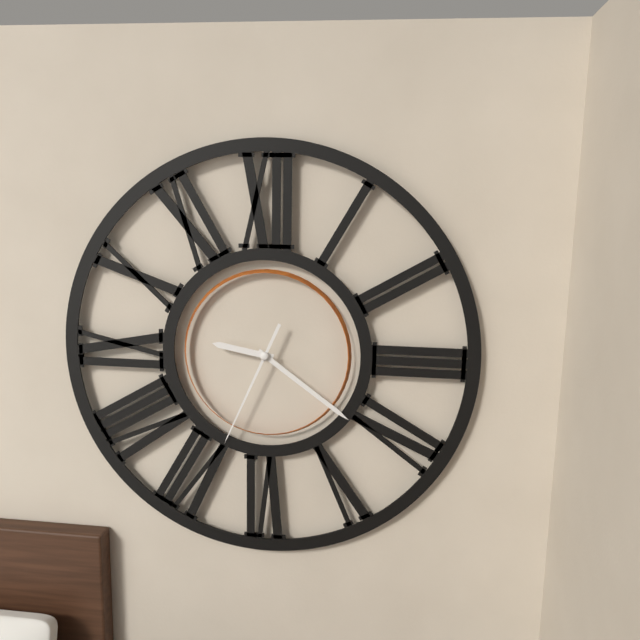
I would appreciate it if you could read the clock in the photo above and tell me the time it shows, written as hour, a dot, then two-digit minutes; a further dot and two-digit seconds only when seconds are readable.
9.21.34
